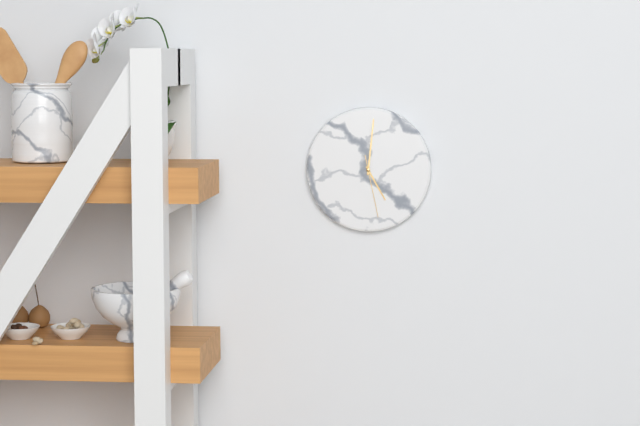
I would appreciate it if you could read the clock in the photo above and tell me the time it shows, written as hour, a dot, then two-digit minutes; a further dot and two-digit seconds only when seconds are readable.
5.01.28
